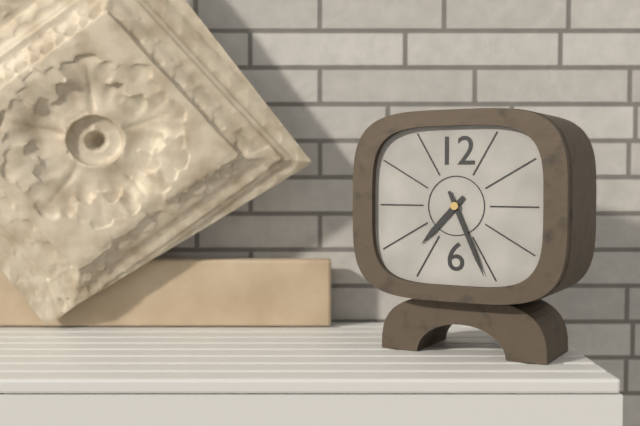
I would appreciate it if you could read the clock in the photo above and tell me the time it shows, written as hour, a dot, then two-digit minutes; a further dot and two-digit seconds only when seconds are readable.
7.26
